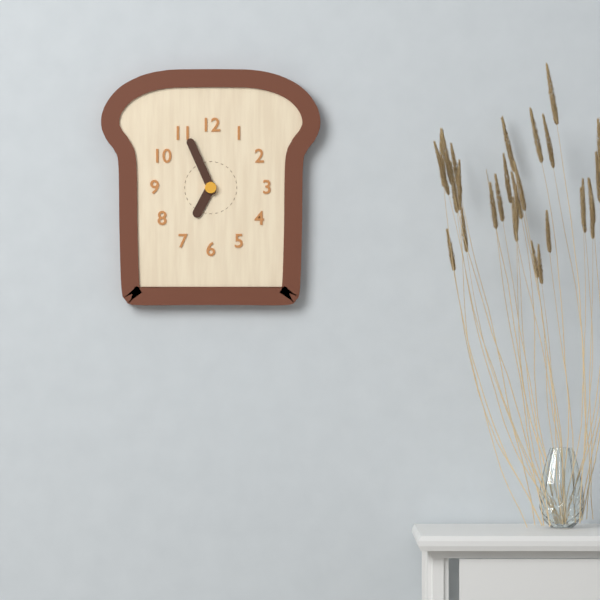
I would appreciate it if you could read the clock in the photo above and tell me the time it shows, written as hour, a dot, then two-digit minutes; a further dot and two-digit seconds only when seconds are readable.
6.56
